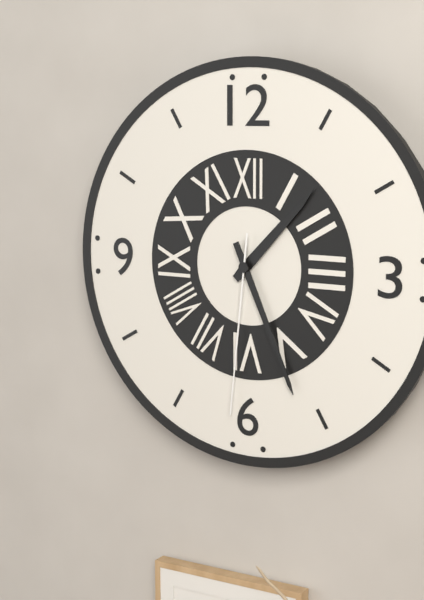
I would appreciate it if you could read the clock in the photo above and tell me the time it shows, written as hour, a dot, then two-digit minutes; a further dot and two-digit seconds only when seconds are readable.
1.26.31
